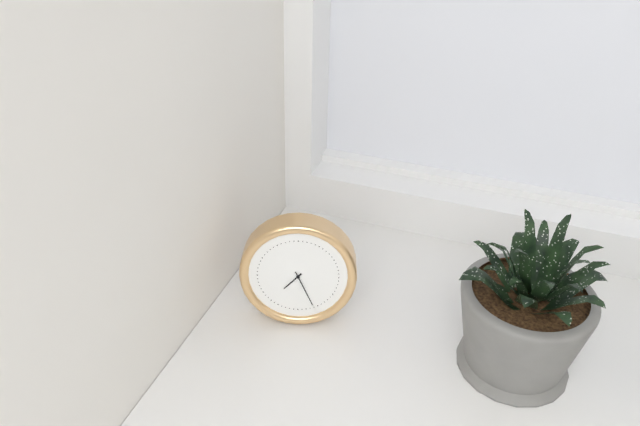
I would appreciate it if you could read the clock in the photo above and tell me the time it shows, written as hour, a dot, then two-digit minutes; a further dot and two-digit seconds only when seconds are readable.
7.26
